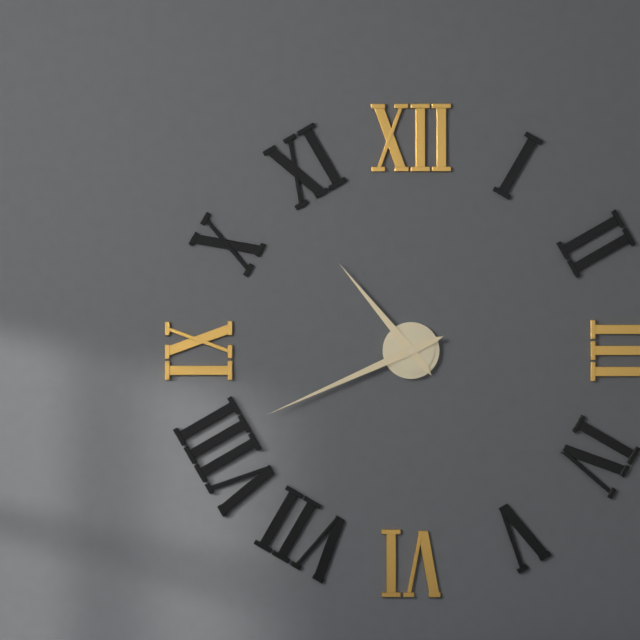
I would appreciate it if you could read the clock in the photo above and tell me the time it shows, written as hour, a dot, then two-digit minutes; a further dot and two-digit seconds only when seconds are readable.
10.41
